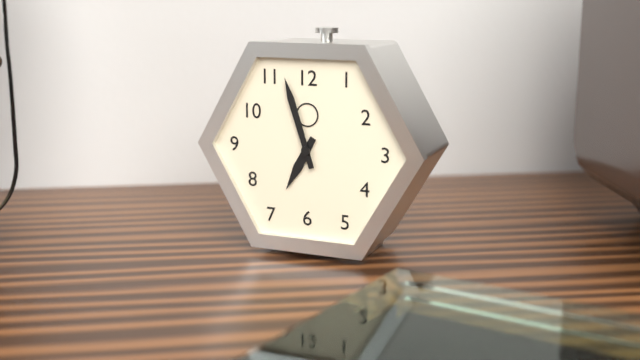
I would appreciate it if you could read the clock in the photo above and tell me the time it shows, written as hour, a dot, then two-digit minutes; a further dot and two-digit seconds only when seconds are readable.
6.57
